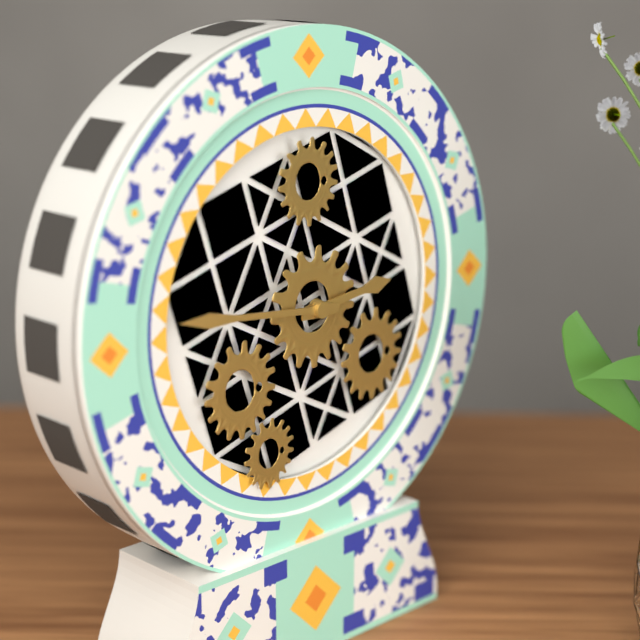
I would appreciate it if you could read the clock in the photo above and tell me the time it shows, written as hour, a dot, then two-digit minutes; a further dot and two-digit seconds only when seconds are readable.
2.46
